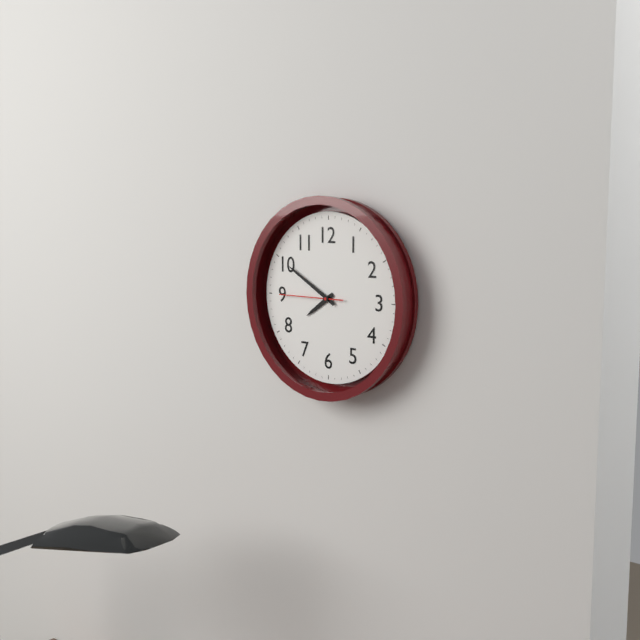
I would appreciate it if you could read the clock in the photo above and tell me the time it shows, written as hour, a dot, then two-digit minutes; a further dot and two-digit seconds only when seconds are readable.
7.50.45
